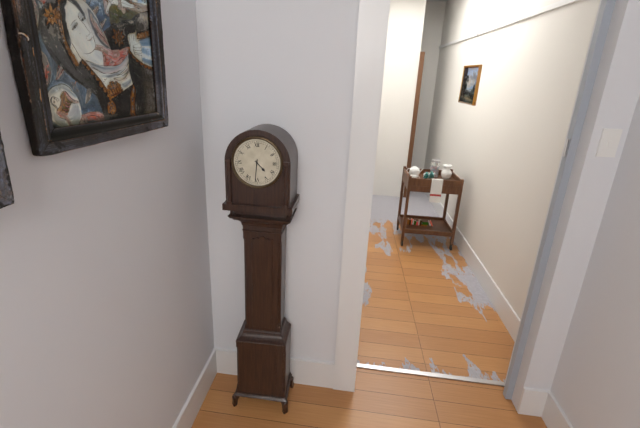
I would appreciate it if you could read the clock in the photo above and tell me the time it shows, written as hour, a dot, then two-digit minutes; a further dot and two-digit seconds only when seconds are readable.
4.31
